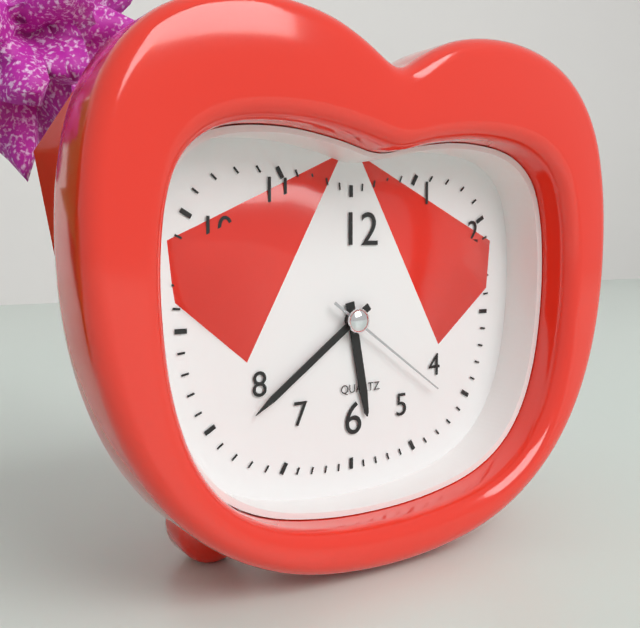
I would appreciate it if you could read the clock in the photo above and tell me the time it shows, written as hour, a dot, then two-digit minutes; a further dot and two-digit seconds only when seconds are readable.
5.39.21
